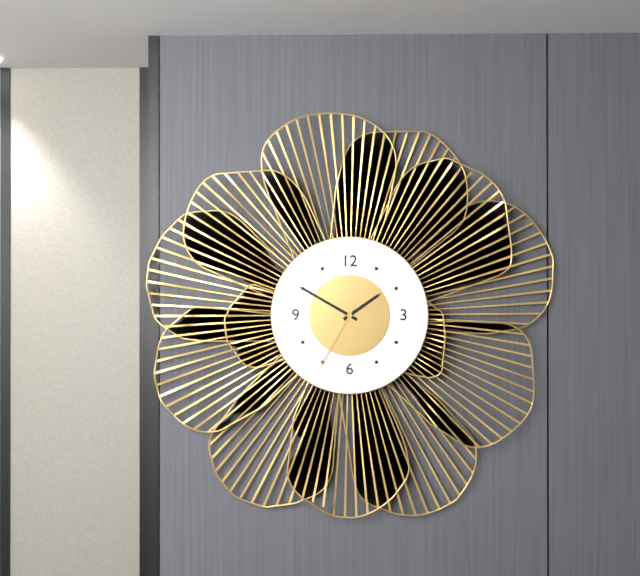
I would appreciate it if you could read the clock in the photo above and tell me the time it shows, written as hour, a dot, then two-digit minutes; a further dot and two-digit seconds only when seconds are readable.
1.50.35
